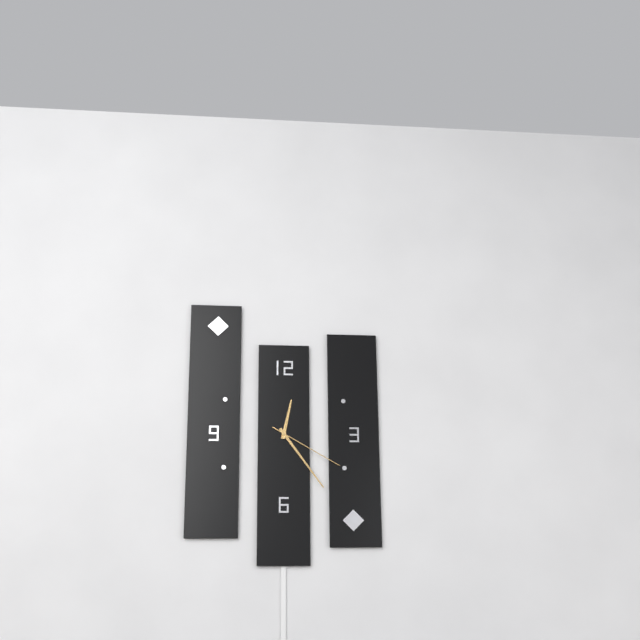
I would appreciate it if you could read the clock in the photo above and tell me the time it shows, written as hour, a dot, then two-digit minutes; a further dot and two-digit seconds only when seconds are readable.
12.24.20
